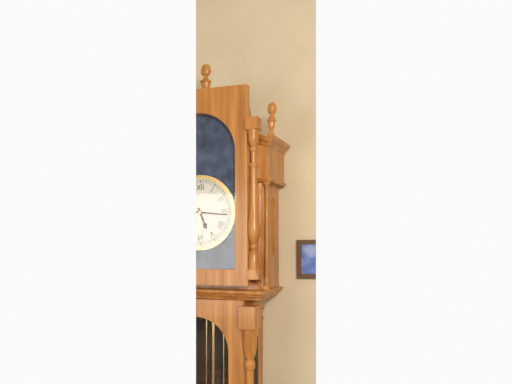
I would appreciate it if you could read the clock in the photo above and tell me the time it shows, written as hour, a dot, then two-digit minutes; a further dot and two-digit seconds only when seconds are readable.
5.16
